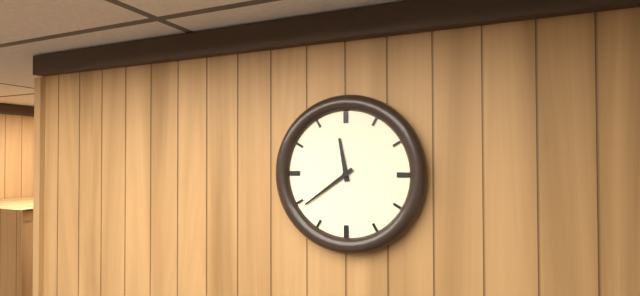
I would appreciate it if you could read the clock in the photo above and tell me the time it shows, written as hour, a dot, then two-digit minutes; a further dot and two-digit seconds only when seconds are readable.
11.39
